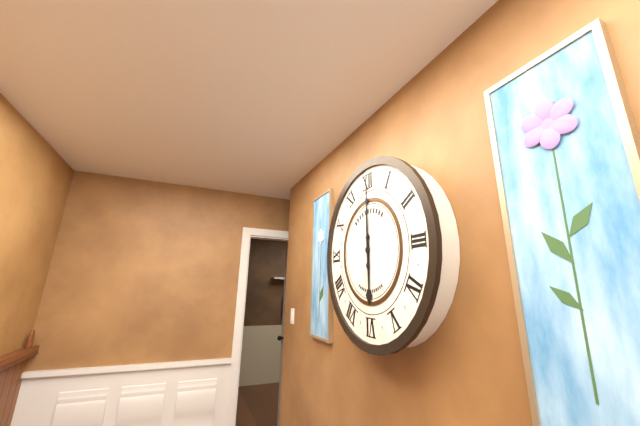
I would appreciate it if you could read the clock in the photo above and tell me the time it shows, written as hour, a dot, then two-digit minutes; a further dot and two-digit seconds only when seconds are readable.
6.00
